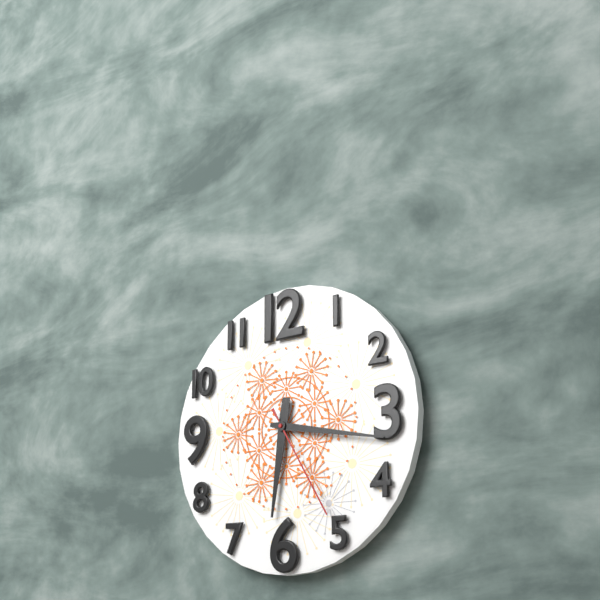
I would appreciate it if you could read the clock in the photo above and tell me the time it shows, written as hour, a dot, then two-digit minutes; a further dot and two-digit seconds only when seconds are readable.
6.17.25
